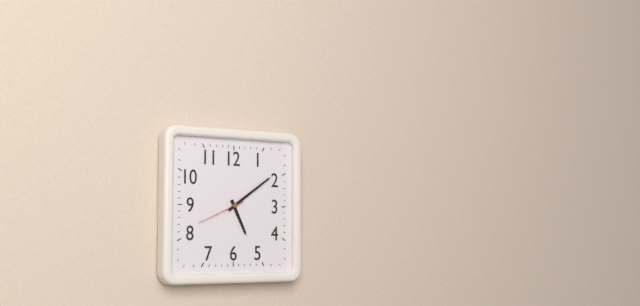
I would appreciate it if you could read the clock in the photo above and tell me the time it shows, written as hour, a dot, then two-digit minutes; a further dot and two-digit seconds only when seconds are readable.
5.09
